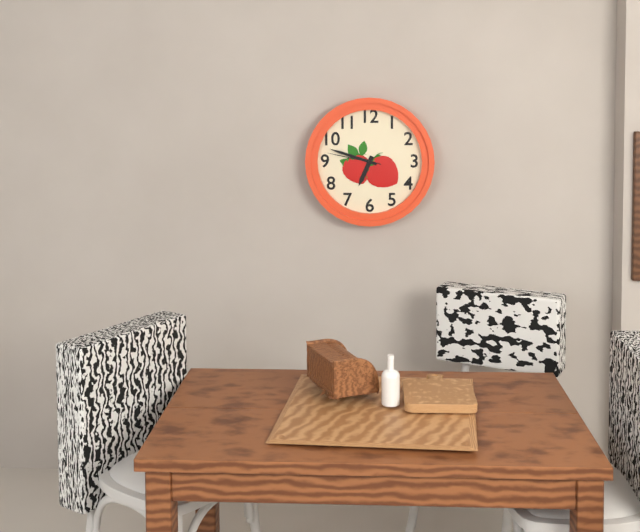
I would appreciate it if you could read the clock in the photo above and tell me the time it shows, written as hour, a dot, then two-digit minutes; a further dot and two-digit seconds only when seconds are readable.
6.48.47
